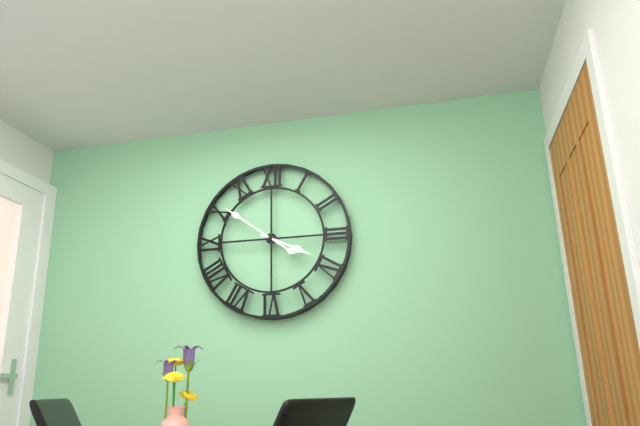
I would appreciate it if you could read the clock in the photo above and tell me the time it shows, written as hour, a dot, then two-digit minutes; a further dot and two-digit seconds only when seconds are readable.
3.51
